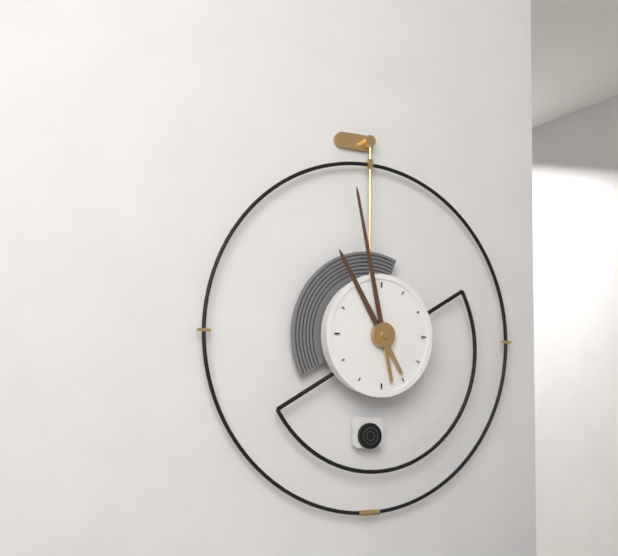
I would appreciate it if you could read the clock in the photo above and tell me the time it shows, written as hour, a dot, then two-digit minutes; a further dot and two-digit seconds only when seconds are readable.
10.58
